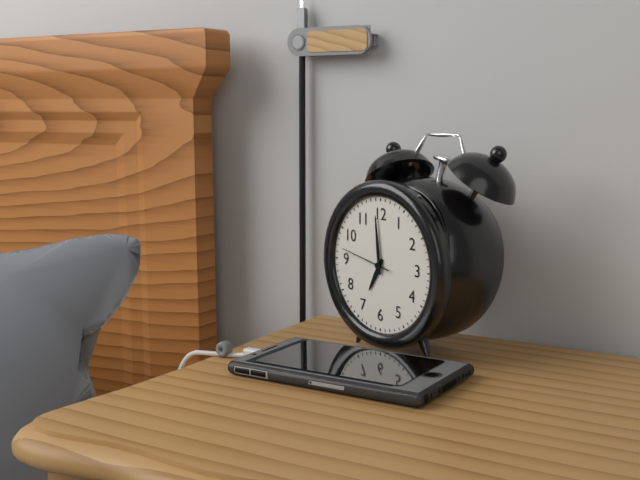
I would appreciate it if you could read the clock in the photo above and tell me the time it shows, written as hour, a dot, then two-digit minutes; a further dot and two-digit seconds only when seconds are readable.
6.59.47
